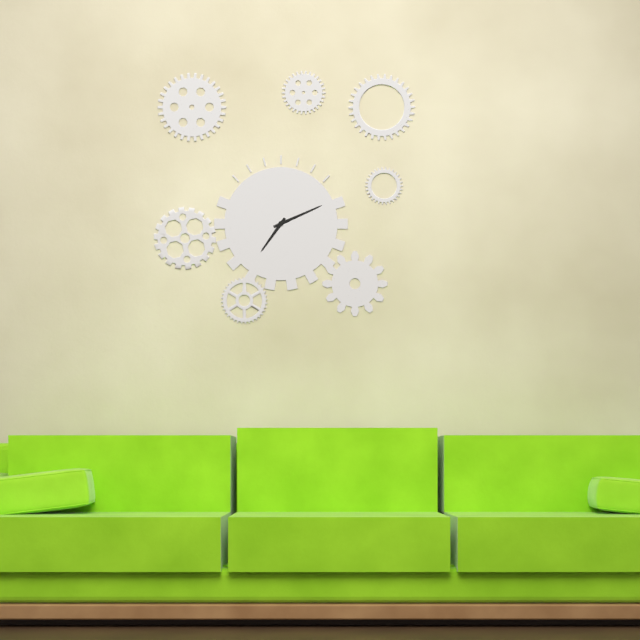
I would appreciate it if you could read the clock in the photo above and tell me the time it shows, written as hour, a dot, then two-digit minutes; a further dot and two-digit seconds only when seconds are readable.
7.11
